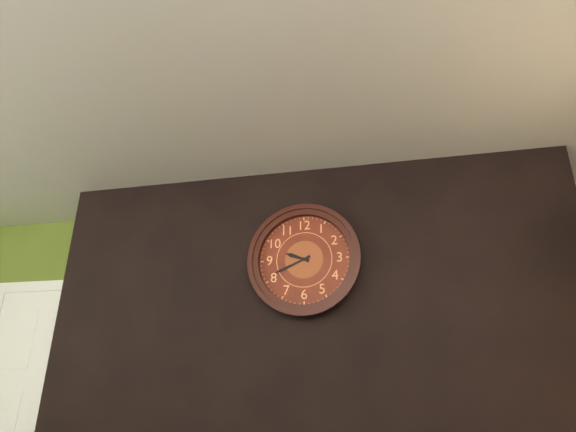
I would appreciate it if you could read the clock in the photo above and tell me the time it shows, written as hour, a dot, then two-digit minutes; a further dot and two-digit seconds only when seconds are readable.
9.41
